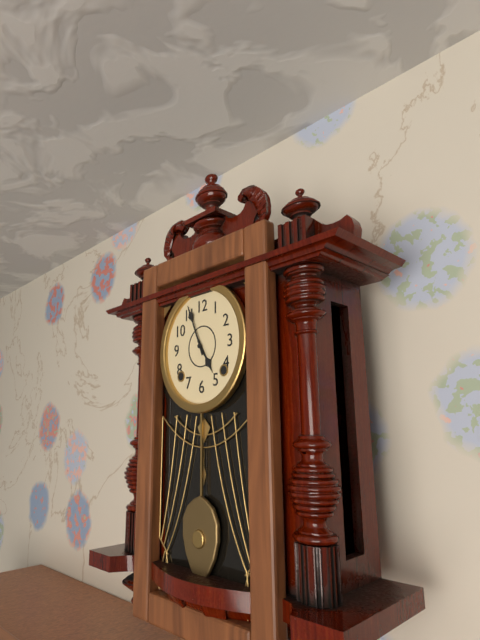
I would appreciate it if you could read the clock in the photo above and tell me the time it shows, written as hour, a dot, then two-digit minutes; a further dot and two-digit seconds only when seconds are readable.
4.56
